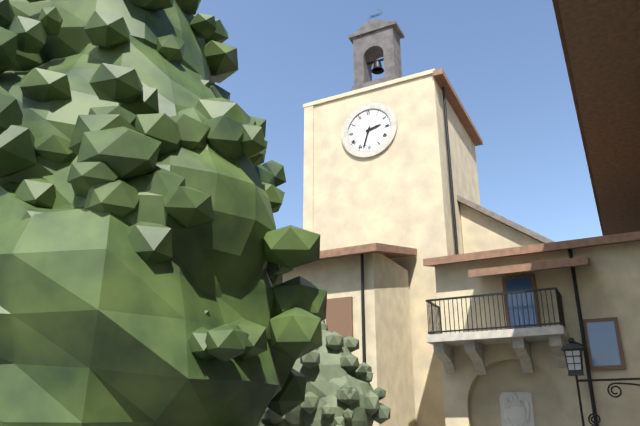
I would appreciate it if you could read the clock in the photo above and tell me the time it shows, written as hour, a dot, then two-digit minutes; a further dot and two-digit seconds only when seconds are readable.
2.33
